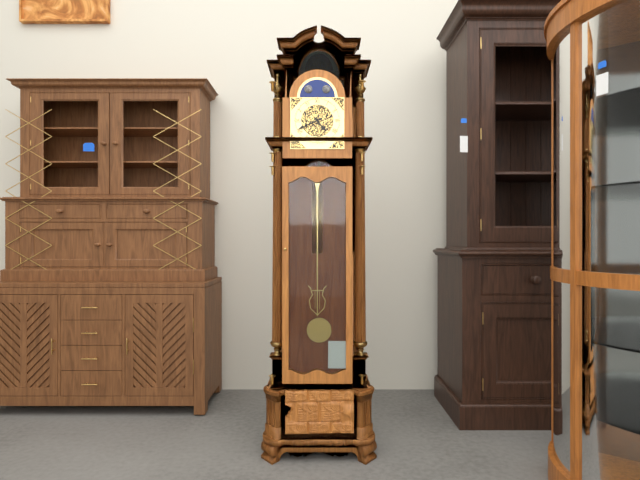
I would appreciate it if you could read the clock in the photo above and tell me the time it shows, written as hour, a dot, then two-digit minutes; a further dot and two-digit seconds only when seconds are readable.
4.41
